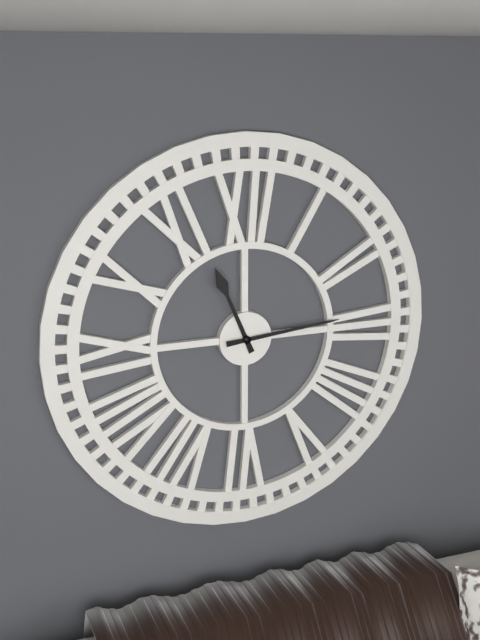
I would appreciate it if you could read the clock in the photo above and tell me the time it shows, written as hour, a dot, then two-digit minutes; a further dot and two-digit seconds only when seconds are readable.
11.14
